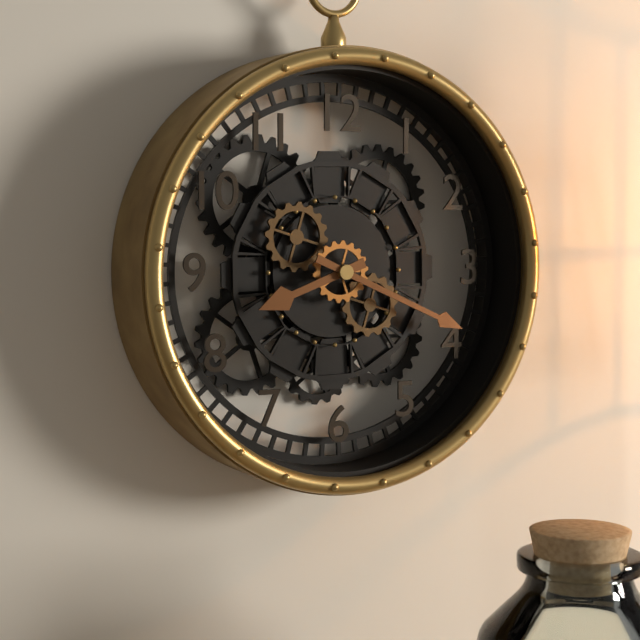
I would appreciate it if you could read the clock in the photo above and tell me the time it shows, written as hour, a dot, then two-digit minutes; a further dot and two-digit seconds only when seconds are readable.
8.19
